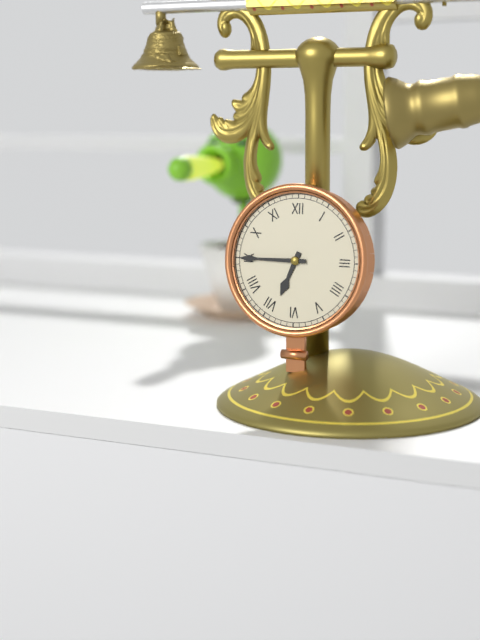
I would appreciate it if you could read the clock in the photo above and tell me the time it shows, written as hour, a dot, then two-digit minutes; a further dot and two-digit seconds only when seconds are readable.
6.45
